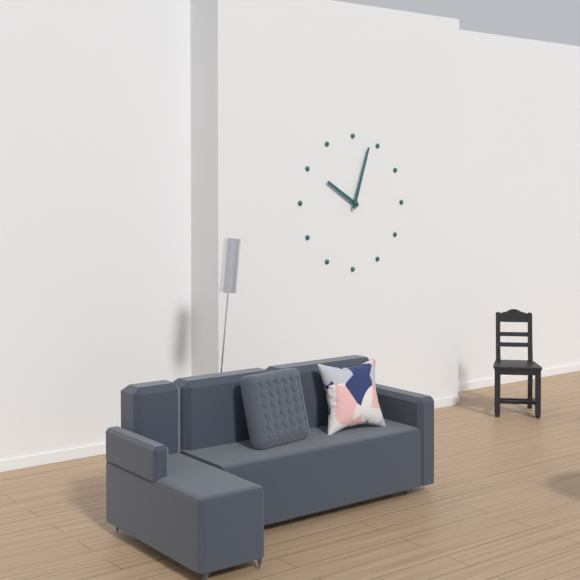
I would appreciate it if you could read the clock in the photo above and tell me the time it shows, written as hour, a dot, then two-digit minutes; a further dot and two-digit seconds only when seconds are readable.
10.03
